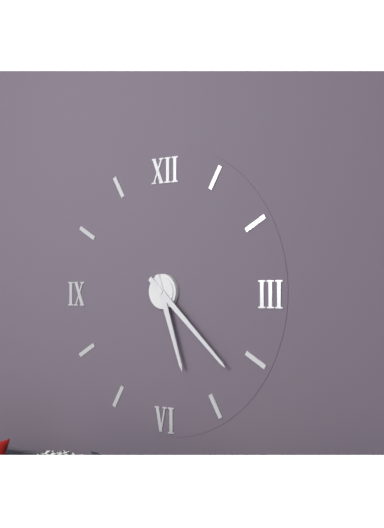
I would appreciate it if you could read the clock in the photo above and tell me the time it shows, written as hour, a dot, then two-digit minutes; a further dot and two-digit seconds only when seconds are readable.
5.22
